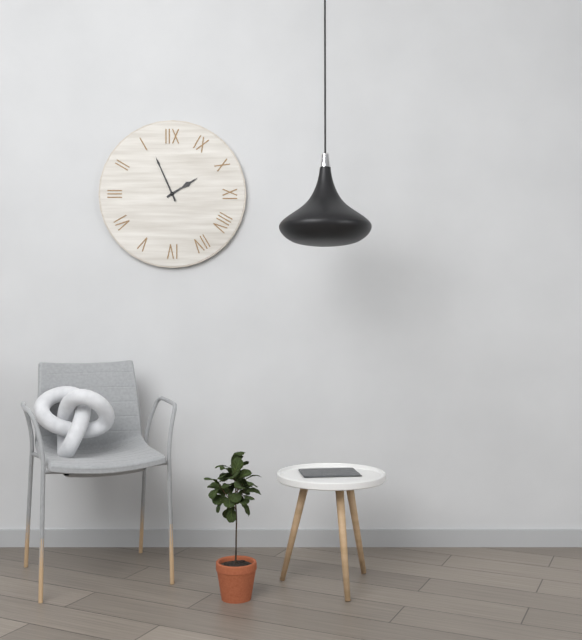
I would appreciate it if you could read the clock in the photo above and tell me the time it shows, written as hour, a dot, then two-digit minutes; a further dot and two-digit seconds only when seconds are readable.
1.56
